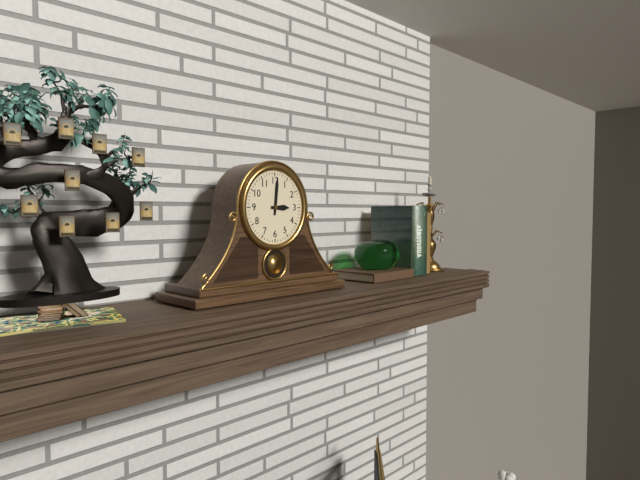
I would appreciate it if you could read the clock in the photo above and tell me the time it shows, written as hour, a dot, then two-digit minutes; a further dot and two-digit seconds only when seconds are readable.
3.01
